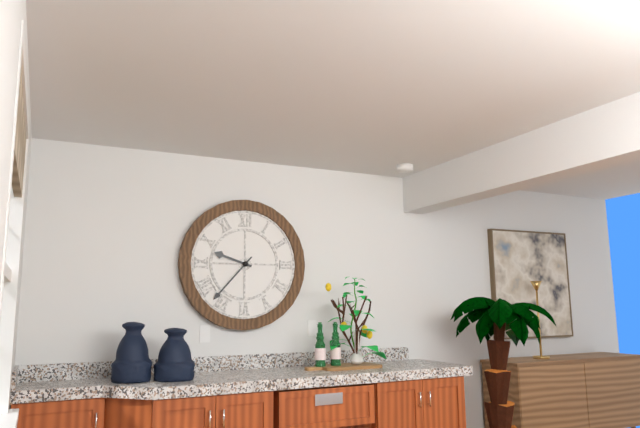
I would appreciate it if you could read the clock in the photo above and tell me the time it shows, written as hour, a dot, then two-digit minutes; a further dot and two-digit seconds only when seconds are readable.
9.37
